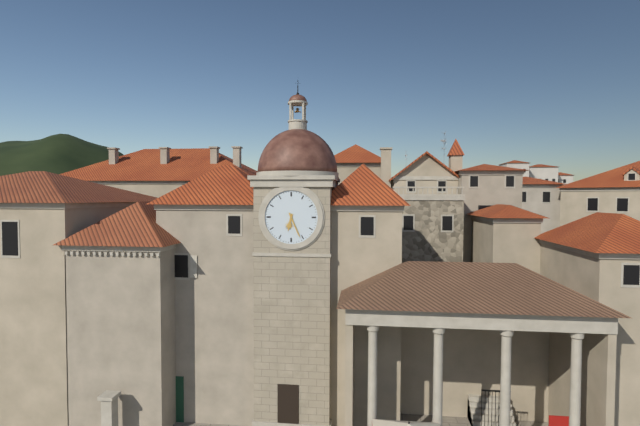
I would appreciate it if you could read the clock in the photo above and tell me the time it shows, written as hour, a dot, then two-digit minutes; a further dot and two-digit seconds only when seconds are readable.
6.26
